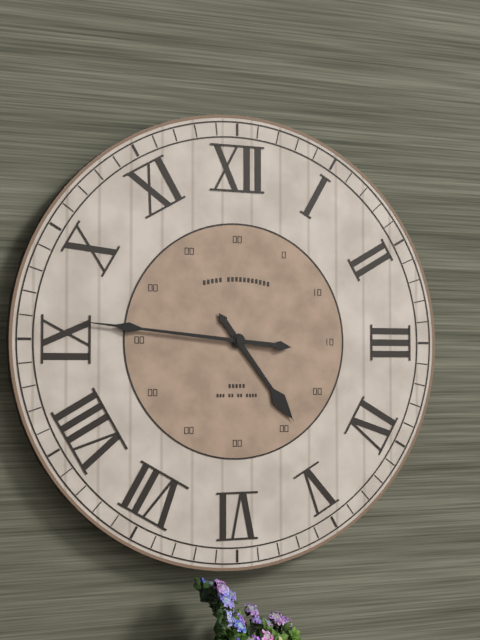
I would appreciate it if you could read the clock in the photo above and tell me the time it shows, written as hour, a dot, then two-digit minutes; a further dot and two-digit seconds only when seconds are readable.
4.46
